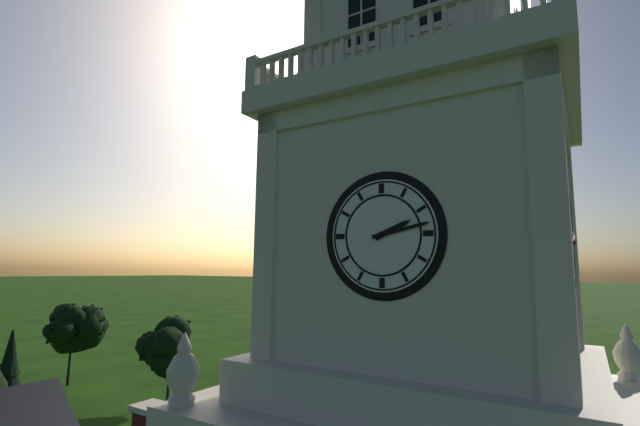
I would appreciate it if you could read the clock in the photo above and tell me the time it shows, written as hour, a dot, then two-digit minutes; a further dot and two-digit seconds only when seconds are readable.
2.13
